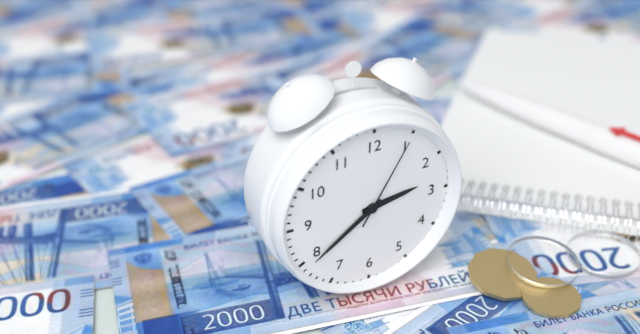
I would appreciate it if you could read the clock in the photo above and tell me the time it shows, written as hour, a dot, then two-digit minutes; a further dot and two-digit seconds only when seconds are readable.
2.39.05
